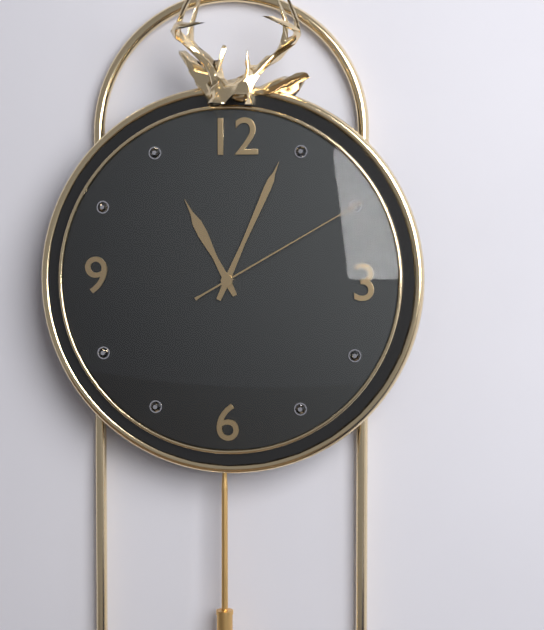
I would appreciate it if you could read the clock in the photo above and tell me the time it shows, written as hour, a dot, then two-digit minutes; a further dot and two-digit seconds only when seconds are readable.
11.04.10
